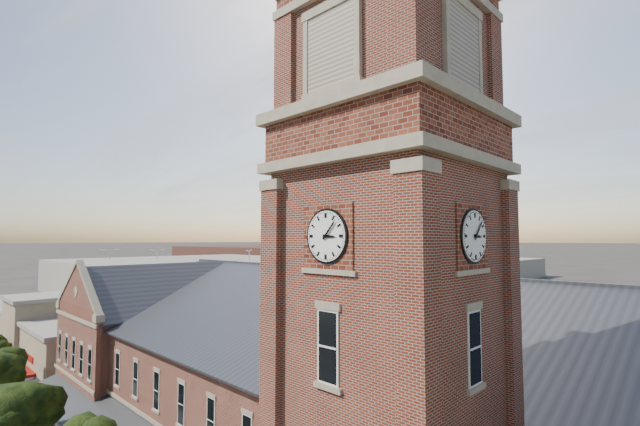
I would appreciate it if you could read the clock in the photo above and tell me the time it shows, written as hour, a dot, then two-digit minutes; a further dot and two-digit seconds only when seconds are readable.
3.07
